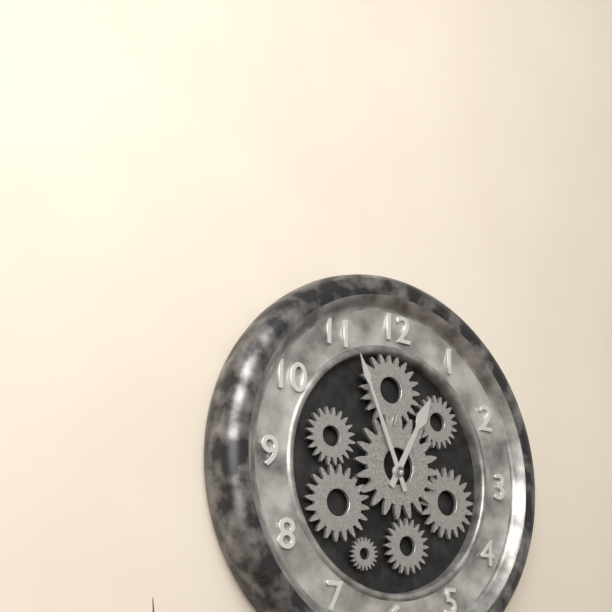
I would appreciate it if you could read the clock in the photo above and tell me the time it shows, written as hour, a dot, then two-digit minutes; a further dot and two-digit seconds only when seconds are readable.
12.56
